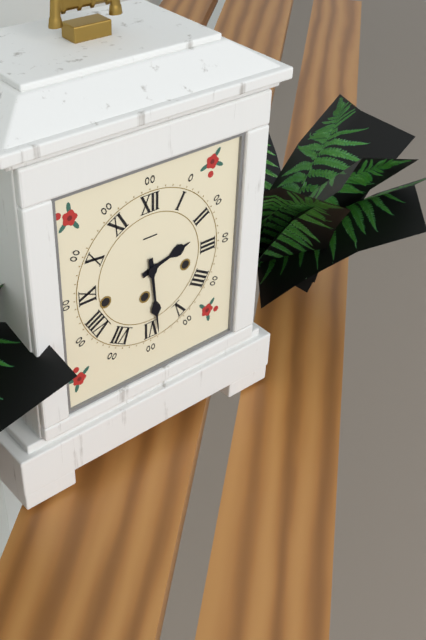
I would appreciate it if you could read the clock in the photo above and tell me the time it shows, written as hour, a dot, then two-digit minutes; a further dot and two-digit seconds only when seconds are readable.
2.29
